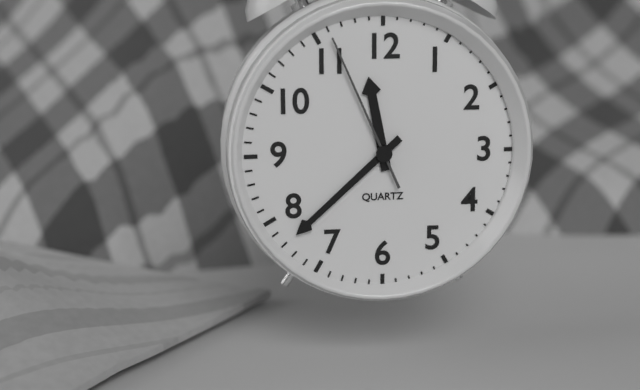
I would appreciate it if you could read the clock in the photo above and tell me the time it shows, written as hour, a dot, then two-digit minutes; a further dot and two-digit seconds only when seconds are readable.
11.38.56
